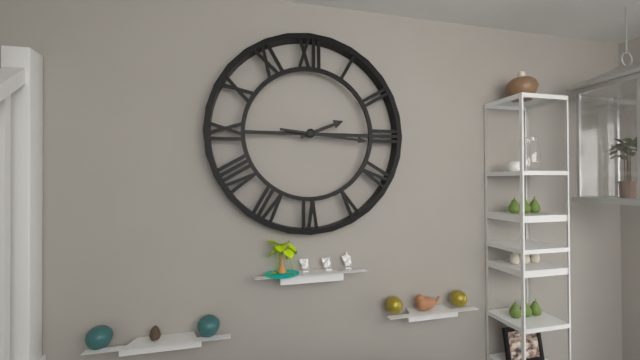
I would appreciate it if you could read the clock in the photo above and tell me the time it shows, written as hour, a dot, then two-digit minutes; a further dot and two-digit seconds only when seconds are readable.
2.16
